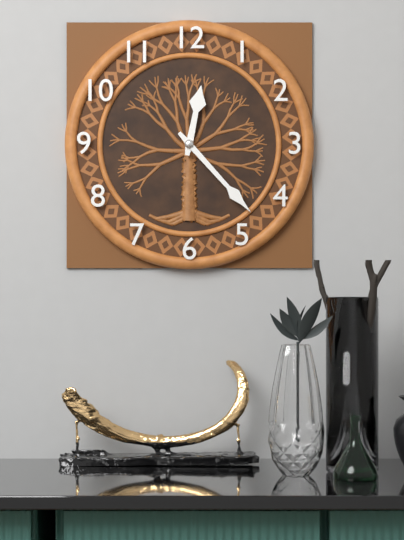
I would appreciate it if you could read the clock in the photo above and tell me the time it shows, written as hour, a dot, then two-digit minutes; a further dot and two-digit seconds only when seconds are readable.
12.23
